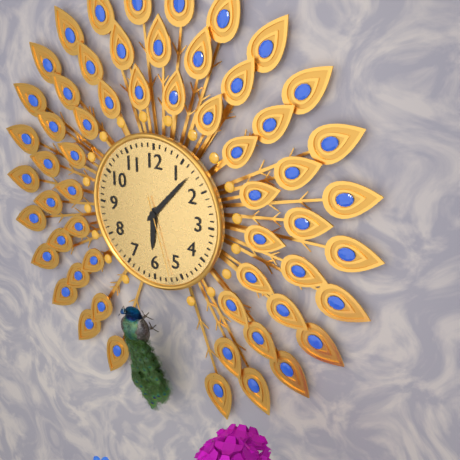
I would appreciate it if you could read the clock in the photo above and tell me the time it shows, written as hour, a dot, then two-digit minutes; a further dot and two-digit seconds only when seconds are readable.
6.07.27
